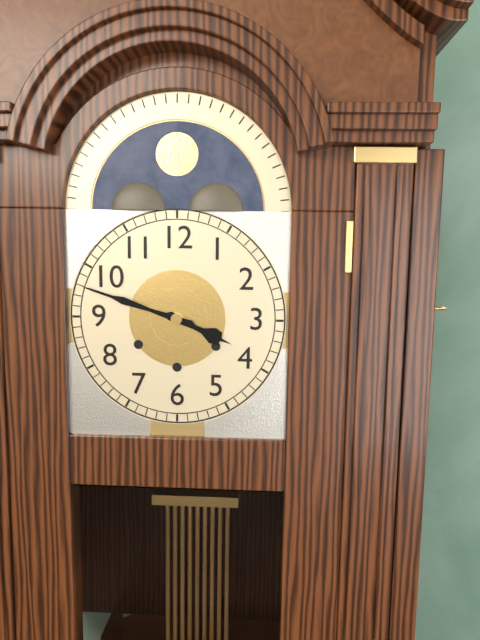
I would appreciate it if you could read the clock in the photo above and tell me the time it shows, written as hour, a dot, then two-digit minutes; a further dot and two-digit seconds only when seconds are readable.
3.48
